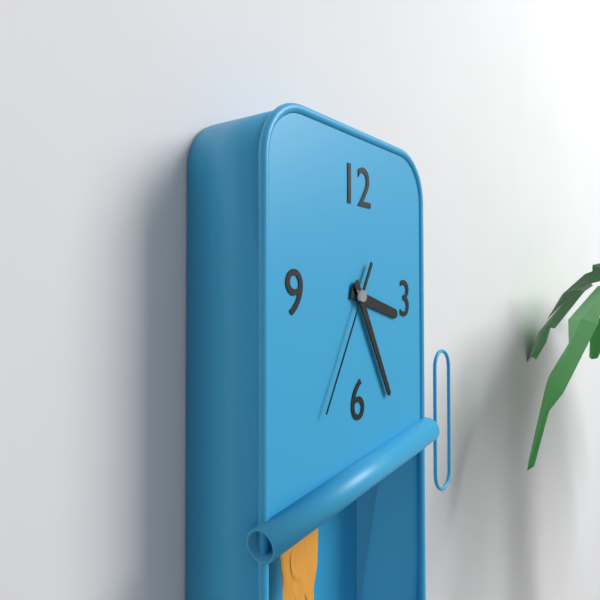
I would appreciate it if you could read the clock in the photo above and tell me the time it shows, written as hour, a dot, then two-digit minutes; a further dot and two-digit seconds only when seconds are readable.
3.25.35
